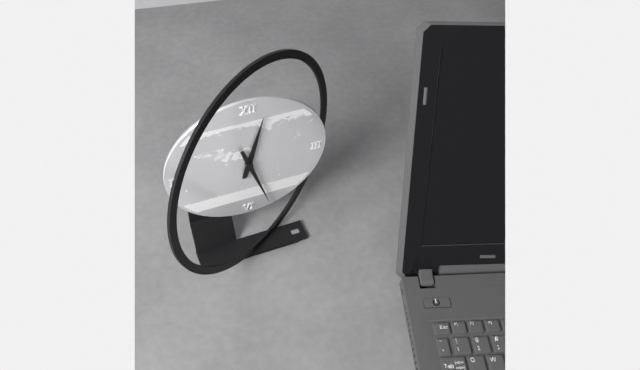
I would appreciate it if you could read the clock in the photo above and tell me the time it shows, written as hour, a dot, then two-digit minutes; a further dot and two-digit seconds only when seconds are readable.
12.27
